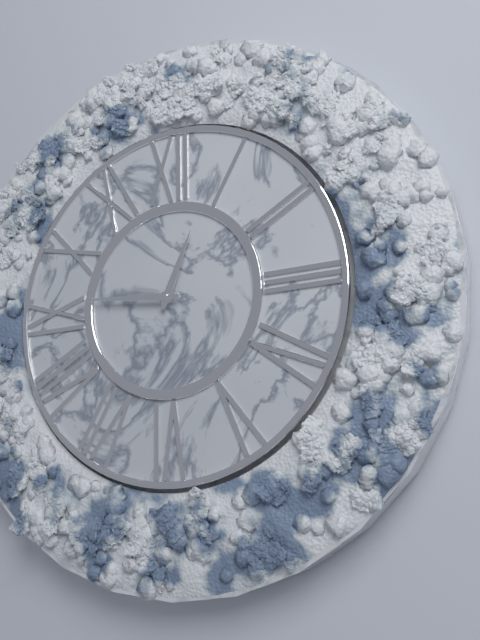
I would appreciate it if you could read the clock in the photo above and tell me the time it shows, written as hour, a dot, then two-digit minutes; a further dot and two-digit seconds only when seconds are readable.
12.46
